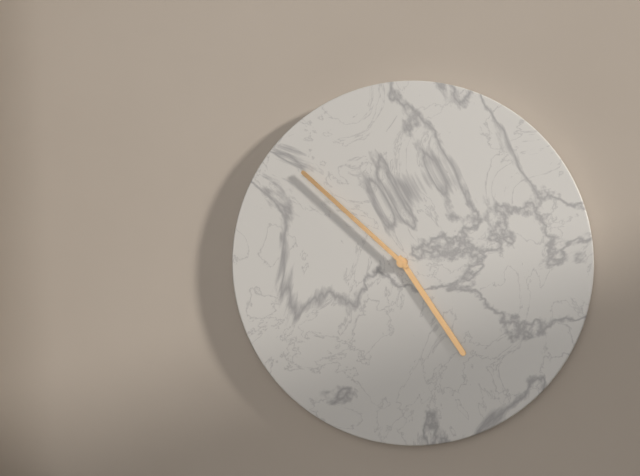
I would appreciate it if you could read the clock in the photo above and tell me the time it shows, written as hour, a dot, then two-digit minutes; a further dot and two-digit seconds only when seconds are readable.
4.52
